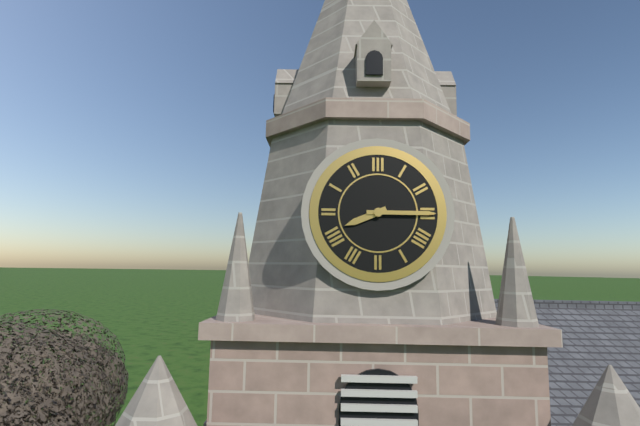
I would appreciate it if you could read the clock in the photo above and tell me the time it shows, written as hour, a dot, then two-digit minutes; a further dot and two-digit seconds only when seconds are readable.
8.15
